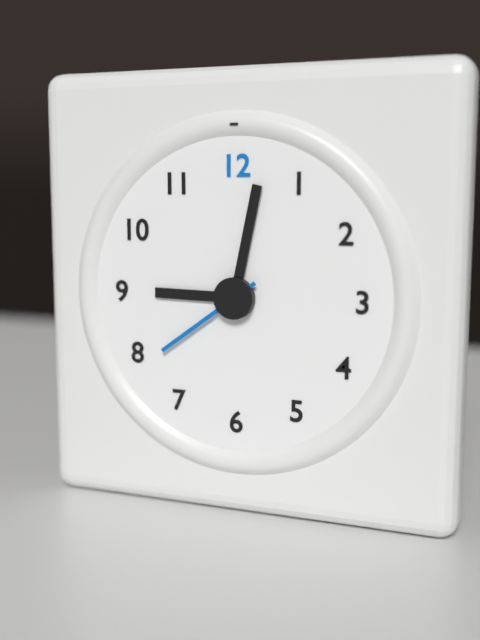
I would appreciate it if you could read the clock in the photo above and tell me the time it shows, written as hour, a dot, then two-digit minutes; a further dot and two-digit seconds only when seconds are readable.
9.02.39
